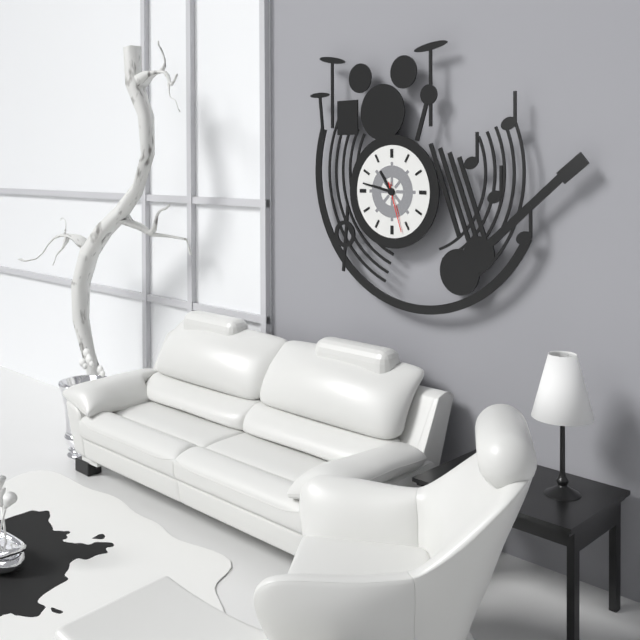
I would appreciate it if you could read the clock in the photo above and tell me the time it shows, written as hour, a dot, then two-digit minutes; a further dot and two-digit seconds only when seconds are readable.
10.47.27
